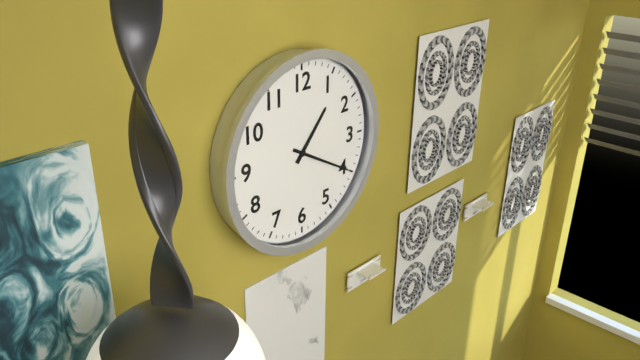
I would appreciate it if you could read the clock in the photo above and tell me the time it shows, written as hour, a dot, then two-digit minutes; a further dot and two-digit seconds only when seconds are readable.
1.20
